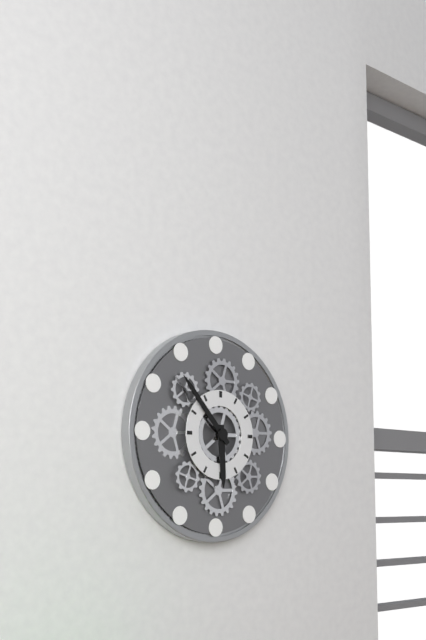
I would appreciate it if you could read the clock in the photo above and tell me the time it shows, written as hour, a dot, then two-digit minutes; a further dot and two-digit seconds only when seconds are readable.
5.53
